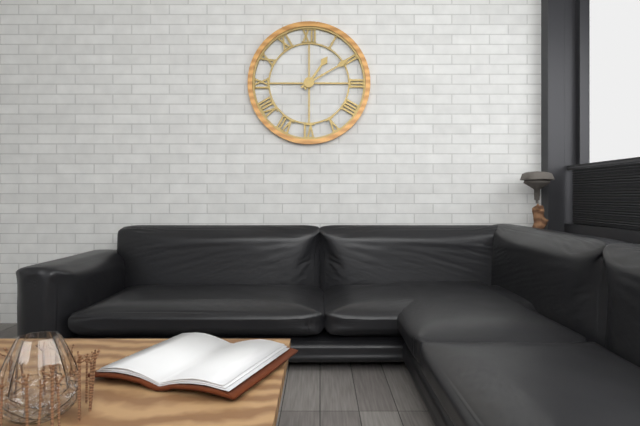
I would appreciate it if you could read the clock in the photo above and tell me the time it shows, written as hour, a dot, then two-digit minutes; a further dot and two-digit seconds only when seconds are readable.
1.10
